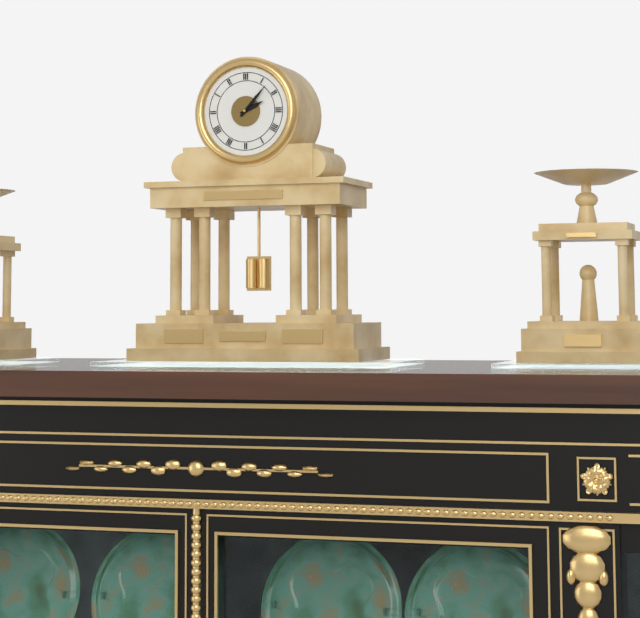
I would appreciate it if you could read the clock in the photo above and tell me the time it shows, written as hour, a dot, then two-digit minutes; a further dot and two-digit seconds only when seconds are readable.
2.07
